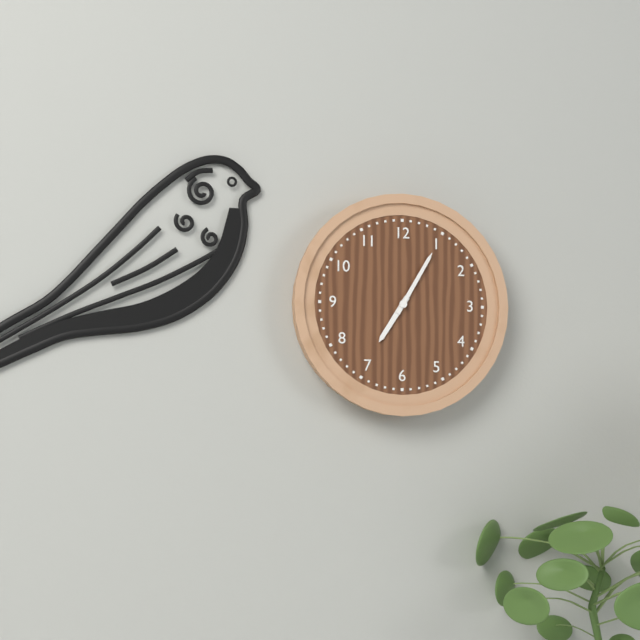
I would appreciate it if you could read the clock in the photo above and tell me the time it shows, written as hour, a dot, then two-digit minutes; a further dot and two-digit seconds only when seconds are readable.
7.05
